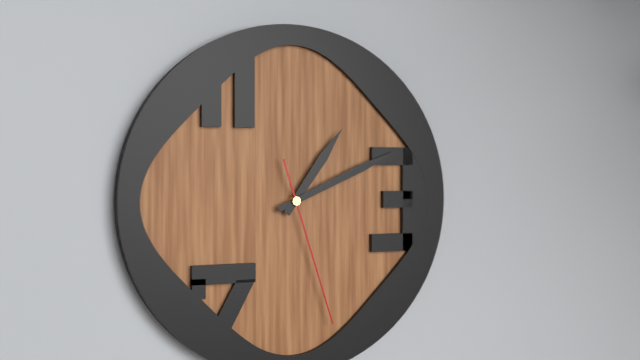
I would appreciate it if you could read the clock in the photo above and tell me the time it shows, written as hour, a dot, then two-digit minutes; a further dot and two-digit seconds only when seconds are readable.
1.11.27
